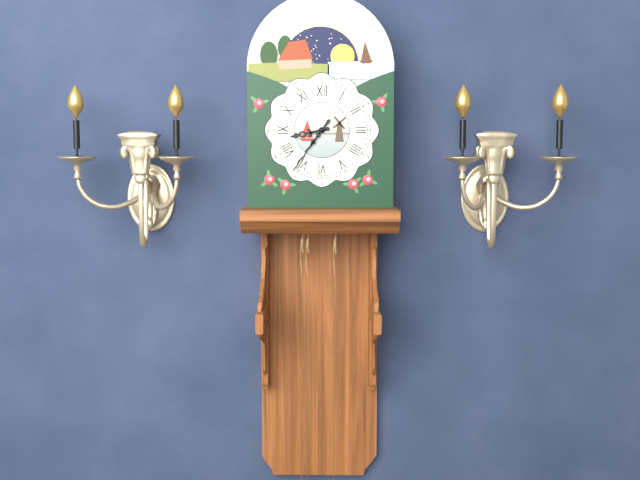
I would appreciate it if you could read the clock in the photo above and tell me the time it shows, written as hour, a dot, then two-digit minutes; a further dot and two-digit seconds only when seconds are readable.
8.36
